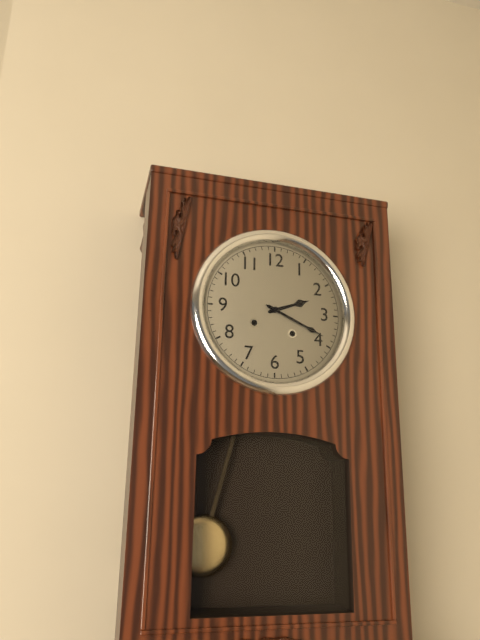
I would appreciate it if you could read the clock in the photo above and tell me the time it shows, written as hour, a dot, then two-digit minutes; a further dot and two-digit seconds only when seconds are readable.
2.19
